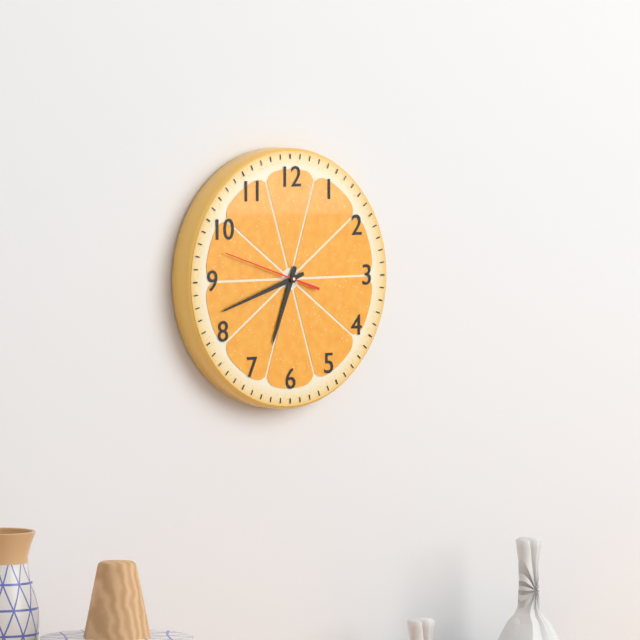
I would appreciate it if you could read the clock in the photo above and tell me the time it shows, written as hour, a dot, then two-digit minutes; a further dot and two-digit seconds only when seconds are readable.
6.42.48
